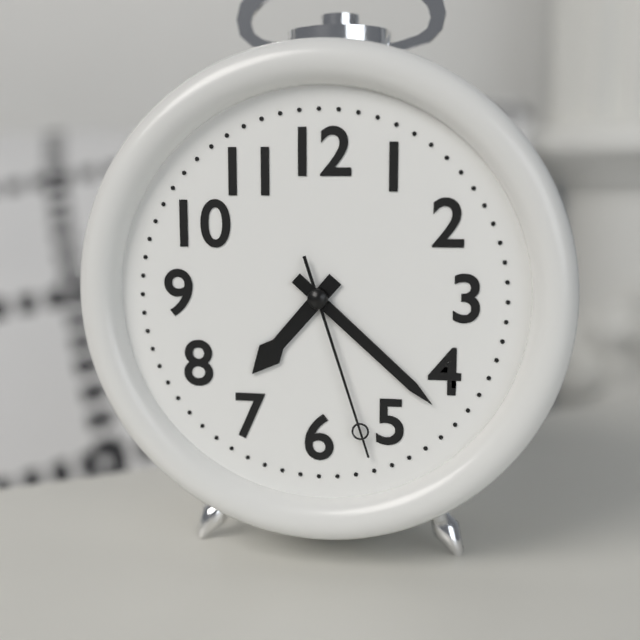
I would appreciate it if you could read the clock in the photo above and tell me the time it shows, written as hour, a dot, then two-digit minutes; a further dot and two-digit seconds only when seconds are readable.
7.22.27
